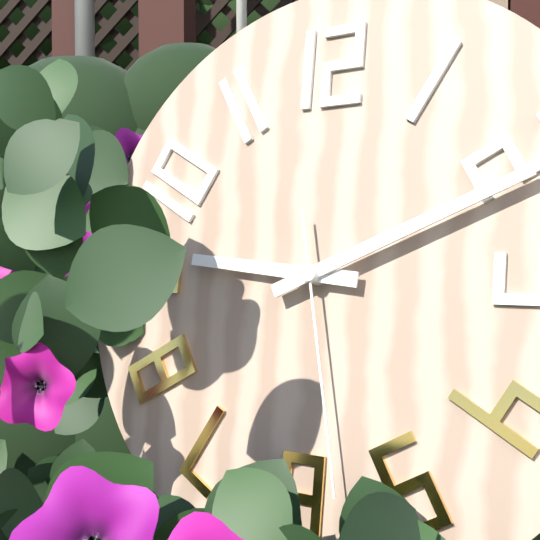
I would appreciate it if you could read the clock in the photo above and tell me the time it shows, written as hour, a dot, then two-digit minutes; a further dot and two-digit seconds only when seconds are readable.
9.11.28
